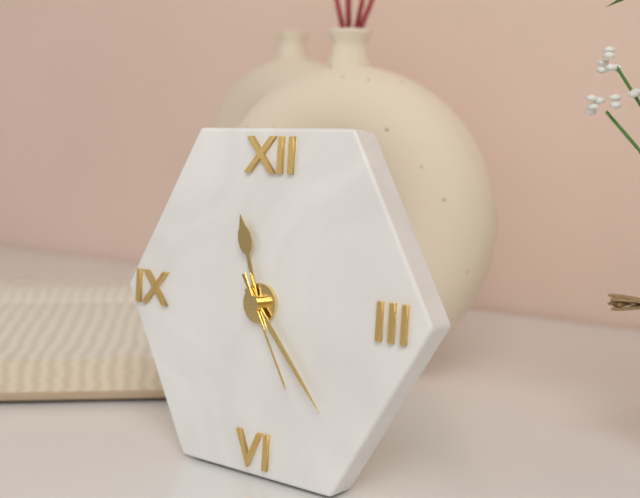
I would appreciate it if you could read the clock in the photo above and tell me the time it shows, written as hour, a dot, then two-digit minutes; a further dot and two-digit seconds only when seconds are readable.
11.23.25
